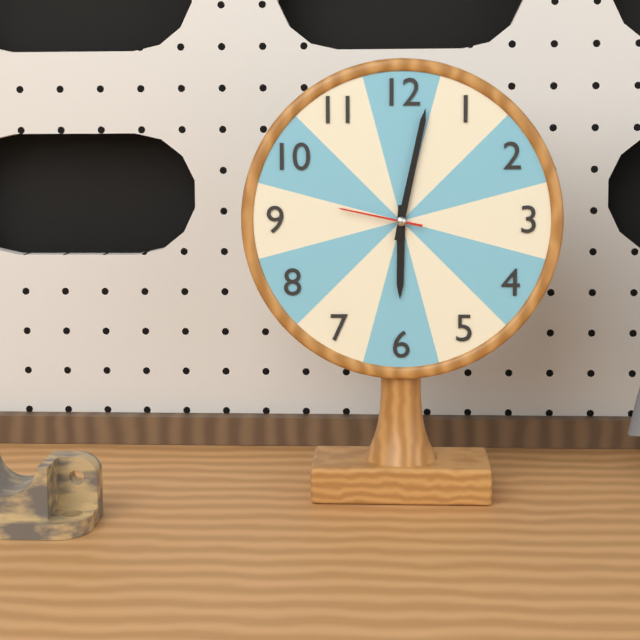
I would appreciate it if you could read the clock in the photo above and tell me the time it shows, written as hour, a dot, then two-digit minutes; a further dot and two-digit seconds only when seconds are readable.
6.02.47
